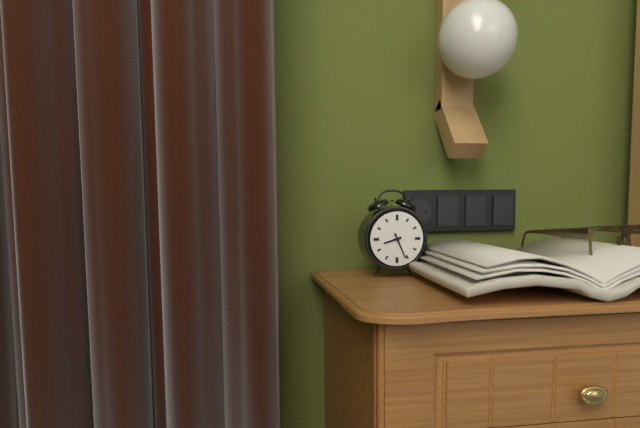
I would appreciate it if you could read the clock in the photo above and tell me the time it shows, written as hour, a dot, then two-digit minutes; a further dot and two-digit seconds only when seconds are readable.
8.26
